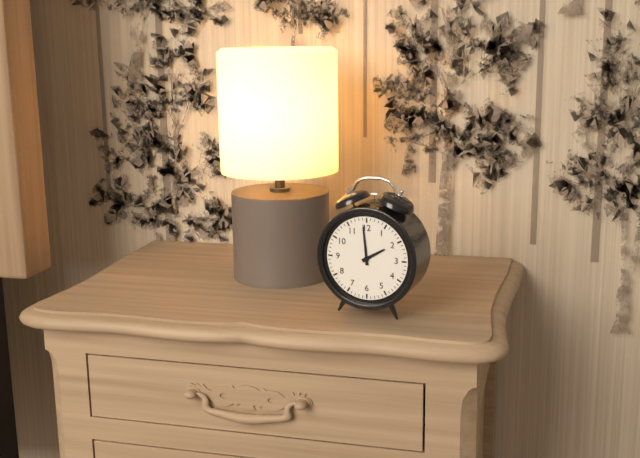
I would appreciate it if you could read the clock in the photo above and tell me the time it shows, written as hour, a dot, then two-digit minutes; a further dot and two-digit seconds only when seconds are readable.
1.59
